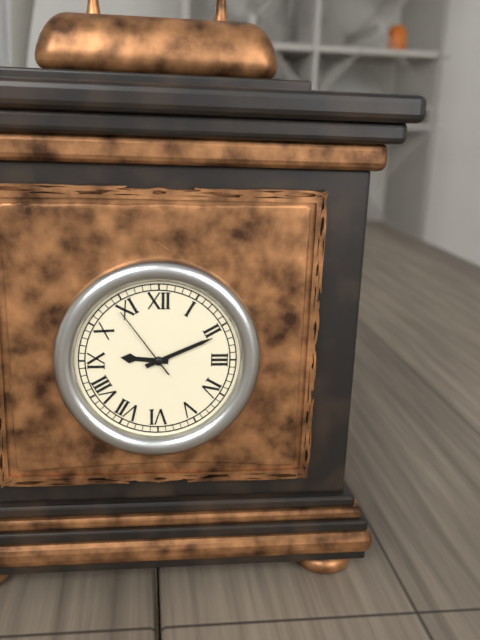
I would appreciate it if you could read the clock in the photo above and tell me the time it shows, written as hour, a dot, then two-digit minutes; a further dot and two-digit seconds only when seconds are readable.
9.11.54
